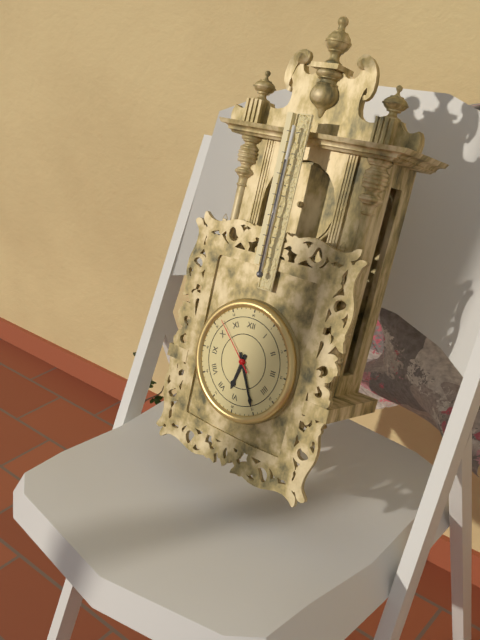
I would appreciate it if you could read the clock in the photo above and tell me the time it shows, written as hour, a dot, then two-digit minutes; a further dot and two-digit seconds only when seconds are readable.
6.25.52
